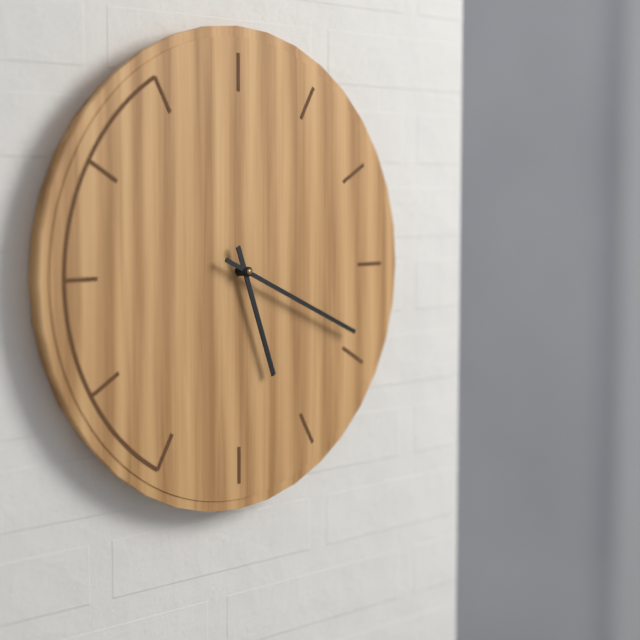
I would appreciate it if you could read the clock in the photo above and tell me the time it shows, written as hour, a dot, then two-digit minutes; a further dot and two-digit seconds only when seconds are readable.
5.19
